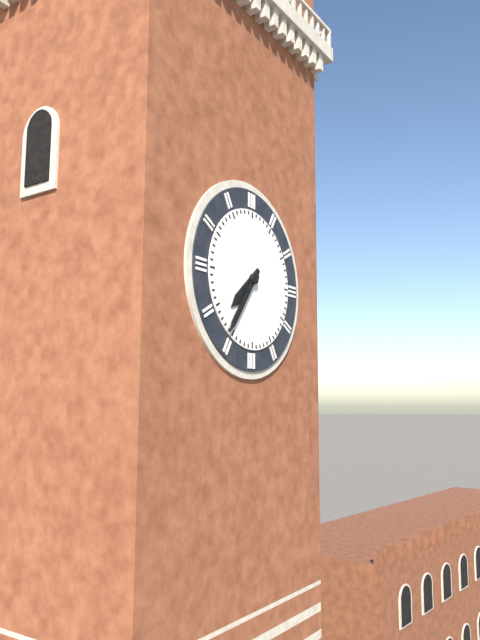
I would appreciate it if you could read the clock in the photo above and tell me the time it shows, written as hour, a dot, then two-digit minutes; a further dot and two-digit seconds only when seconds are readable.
7.36
